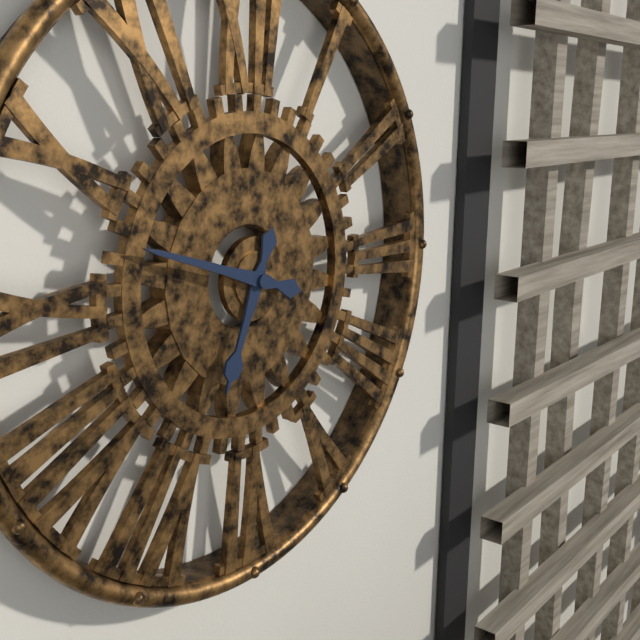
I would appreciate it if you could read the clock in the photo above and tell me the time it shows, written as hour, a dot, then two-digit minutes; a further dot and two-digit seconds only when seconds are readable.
6.48
